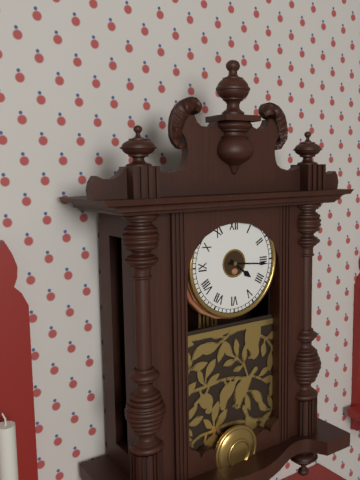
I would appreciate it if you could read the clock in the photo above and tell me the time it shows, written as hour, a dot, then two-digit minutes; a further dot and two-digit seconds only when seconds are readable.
4.16
